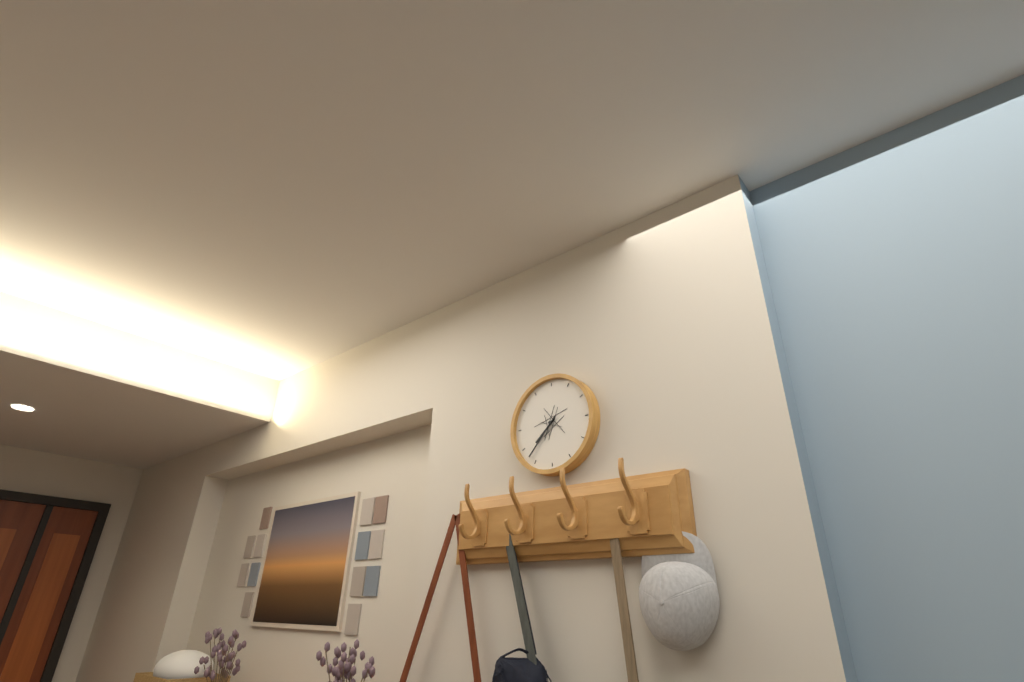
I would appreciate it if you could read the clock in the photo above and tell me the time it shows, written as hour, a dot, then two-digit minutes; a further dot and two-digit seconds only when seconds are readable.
7.37
